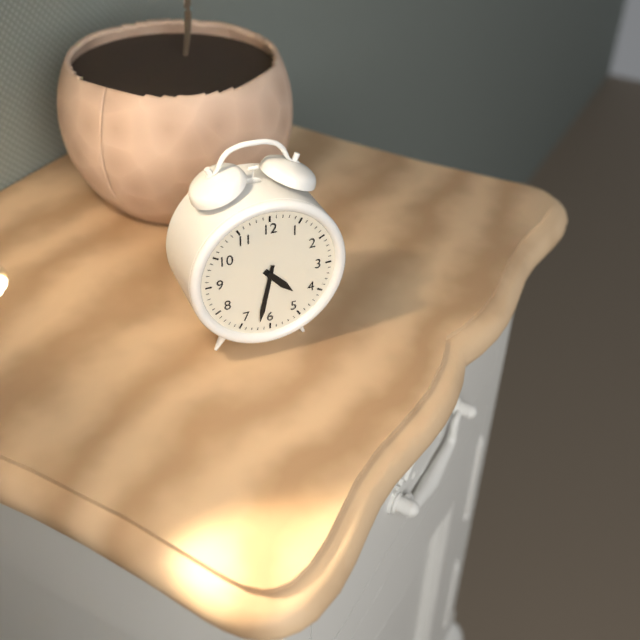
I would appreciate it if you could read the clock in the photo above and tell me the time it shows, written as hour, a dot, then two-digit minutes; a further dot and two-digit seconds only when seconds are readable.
4.32
